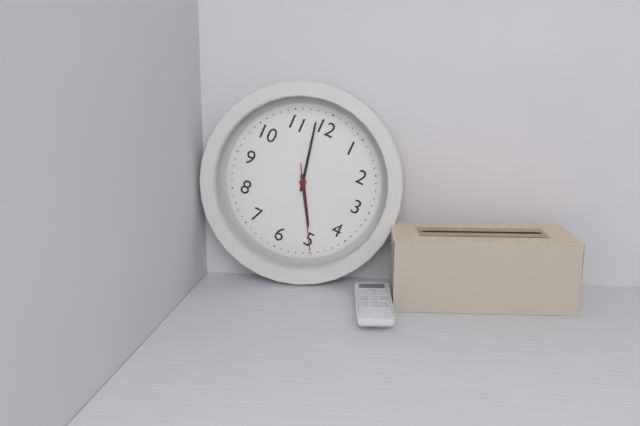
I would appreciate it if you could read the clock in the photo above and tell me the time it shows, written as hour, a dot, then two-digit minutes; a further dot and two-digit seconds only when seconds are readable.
4.58.25
